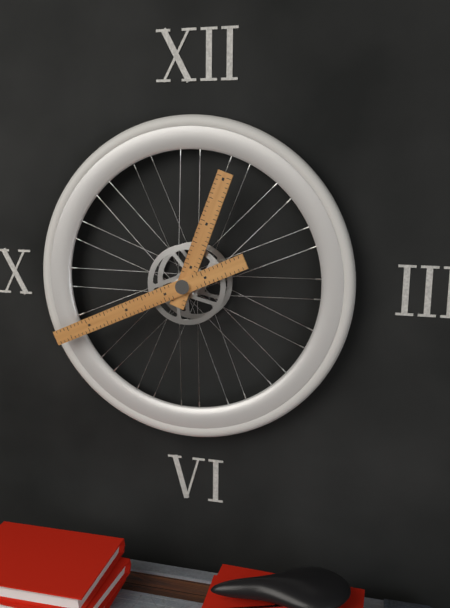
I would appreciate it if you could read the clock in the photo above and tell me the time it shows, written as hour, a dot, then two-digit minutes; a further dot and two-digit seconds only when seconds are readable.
12.41
